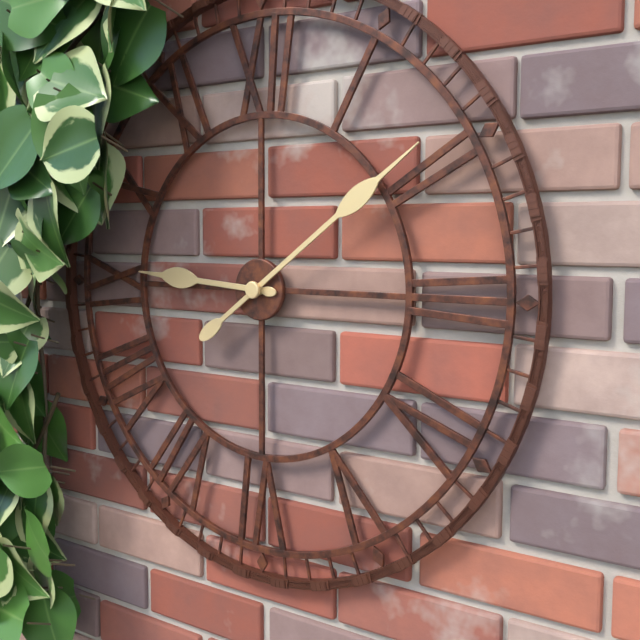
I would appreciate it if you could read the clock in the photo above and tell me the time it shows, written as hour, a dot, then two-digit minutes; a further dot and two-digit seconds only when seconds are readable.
9.09
